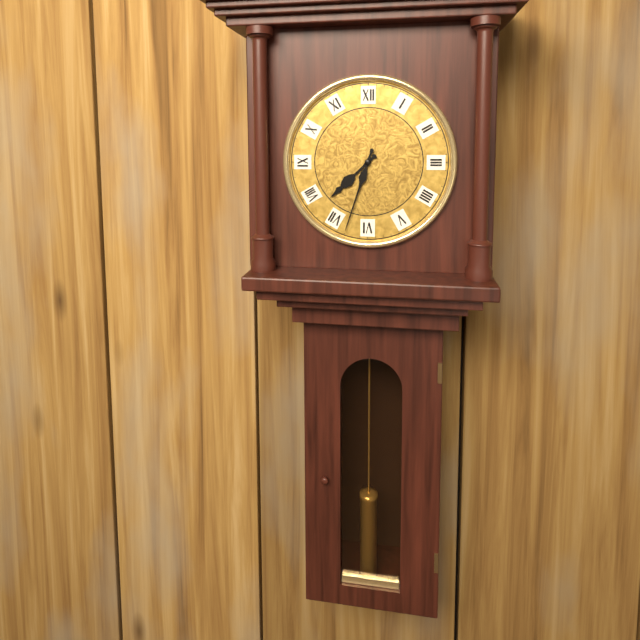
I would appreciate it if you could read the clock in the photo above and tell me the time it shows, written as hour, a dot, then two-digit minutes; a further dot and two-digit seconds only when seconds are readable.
7.33
